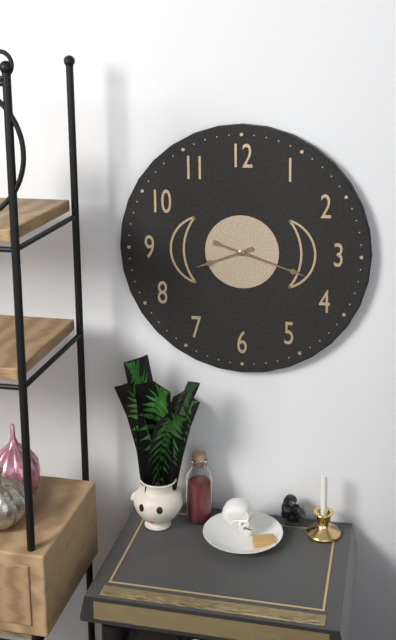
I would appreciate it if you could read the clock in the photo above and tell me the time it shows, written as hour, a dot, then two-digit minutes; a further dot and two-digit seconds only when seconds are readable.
8.18
